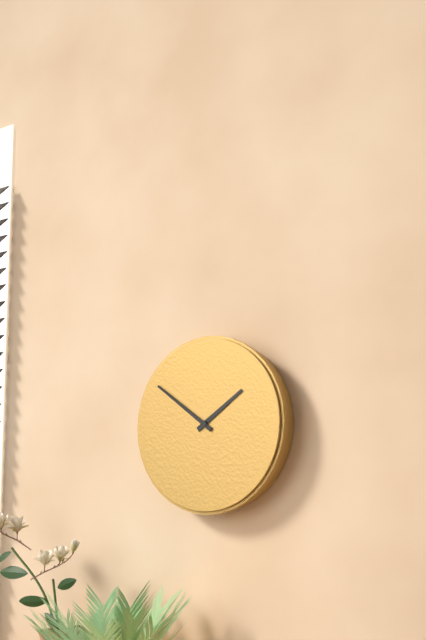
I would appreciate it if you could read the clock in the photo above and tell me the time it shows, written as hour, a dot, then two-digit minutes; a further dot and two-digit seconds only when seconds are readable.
1.51
